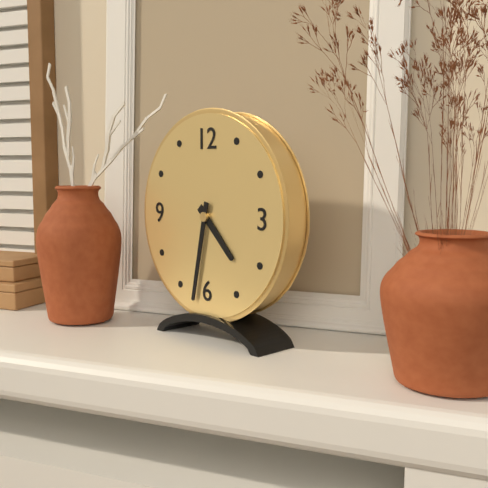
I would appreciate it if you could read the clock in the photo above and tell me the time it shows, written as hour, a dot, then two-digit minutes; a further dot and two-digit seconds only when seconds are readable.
4.32
